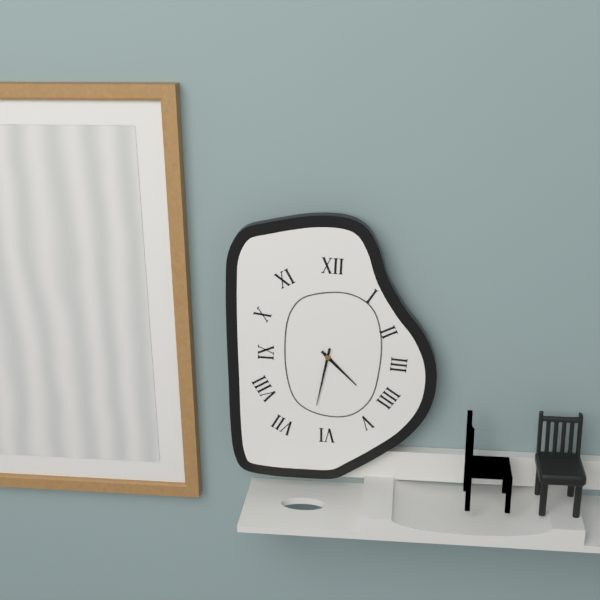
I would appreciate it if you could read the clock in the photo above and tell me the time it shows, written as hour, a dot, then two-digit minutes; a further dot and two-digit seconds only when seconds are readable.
4.32
